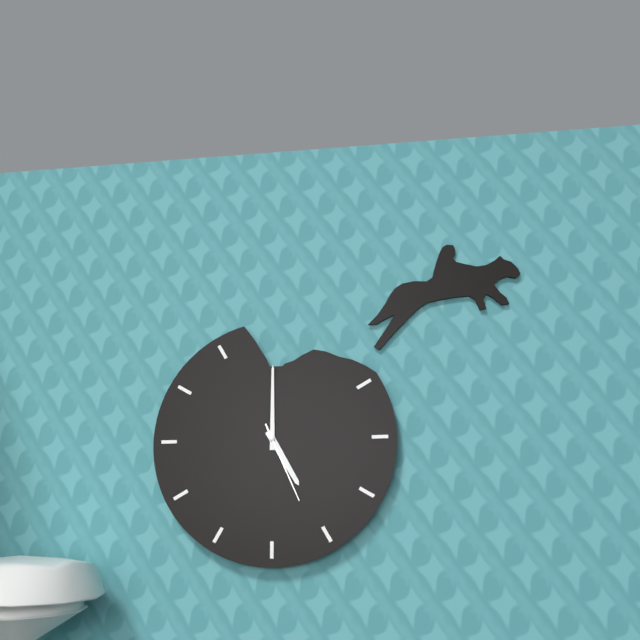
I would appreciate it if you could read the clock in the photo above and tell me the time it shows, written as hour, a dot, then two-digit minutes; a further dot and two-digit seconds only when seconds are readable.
5.00.26
